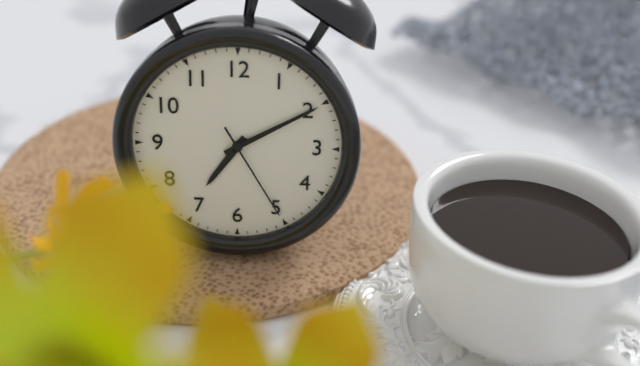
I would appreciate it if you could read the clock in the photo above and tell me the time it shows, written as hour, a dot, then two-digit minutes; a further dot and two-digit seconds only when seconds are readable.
7.10.25
